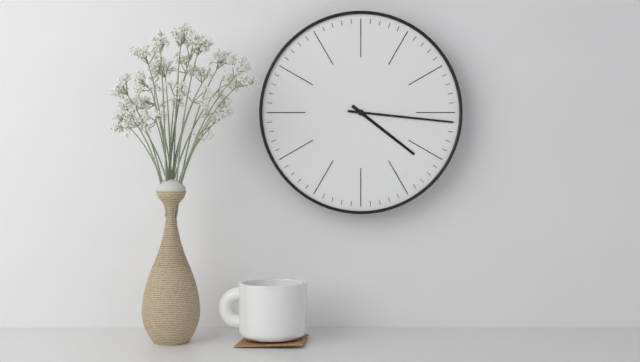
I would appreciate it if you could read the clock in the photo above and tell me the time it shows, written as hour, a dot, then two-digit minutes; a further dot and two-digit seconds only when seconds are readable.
4.16
